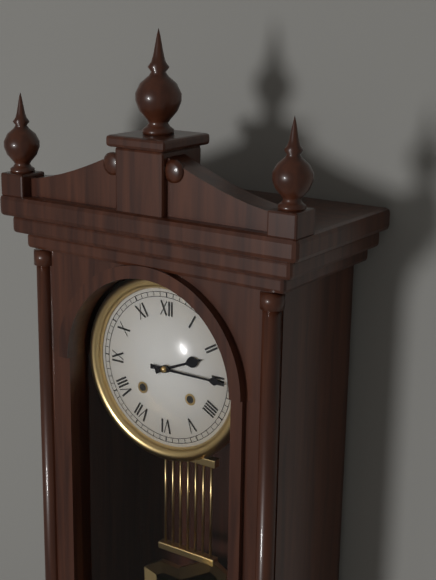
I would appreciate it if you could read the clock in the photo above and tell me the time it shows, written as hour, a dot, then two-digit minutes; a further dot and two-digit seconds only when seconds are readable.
2.15
